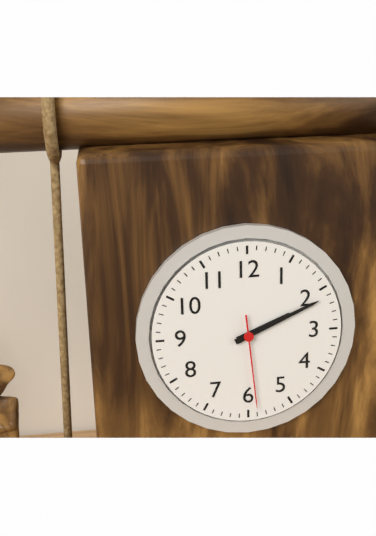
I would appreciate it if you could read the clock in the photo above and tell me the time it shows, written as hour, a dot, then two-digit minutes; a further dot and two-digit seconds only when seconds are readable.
2.11.29
